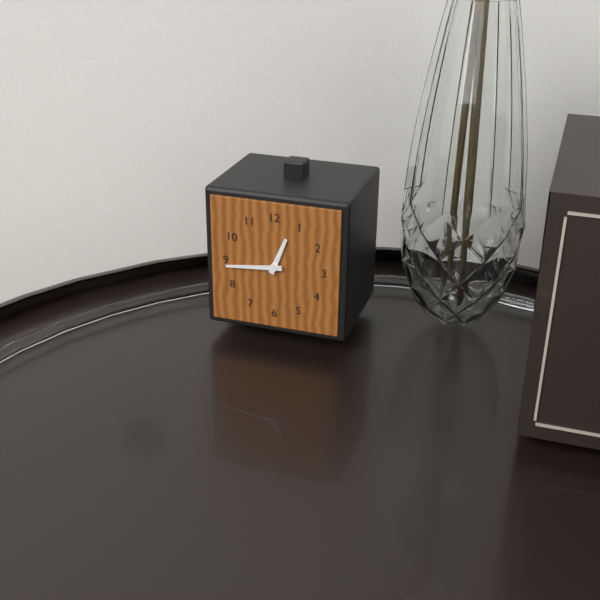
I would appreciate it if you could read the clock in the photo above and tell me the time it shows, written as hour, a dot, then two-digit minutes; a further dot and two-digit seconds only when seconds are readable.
12.44
